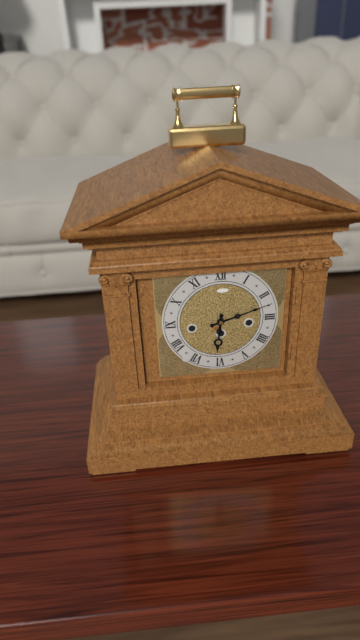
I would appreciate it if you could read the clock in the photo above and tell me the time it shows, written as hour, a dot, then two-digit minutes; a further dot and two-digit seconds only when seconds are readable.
6.12
